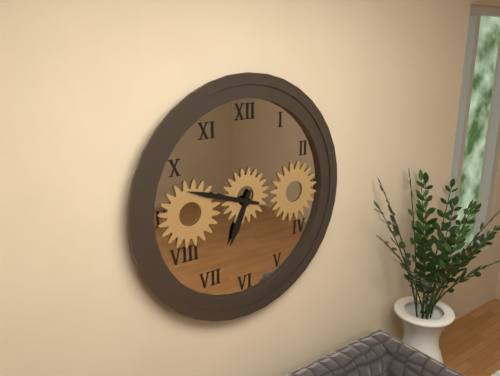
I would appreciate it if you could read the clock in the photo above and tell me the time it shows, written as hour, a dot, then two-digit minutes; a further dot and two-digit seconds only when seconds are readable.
6.48
